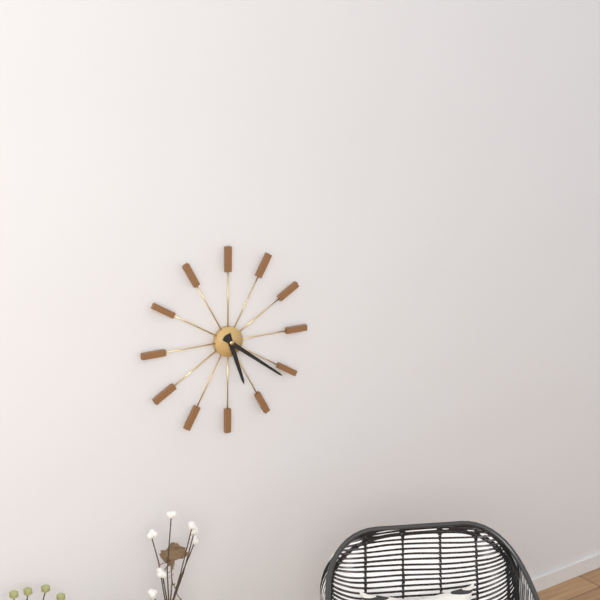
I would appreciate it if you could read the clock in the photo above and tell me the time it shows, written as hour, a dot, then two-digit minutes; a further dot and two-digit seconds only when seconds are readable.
5.21
